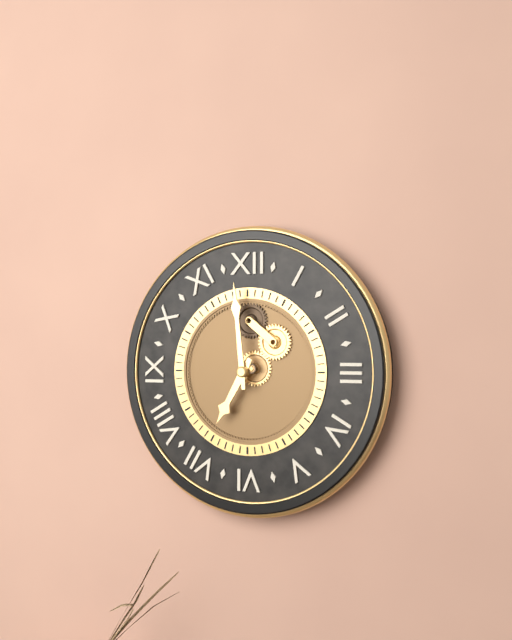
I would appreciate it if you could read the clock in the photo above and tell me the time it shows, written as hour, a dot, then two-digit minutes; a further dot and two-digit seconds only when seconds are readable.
6.59
